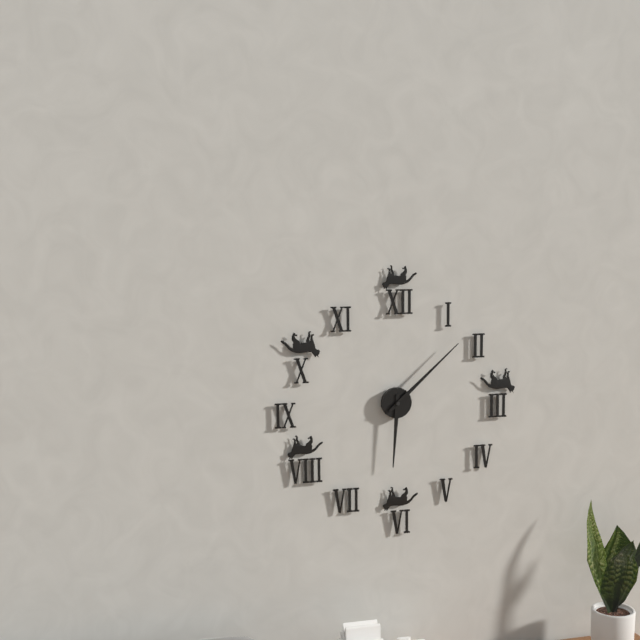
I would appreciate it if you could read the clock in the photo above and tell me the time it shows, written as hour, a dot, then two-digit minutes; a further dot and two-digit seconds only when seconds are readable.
6.08
